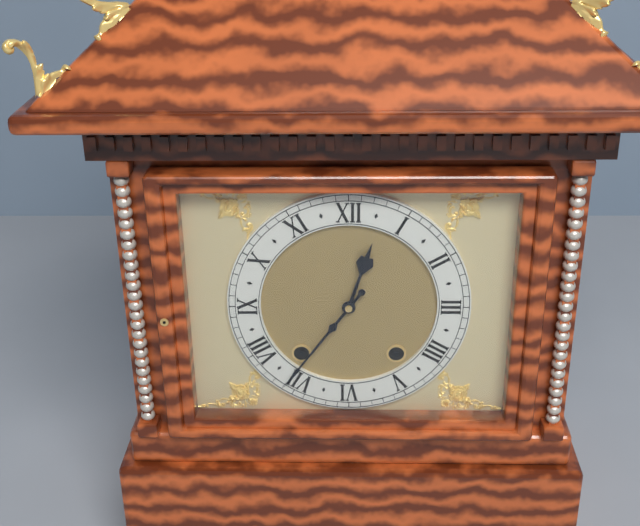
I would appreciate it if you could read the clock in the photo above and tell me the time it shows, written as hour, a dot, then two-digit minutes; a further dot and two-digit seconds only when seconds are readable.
12.36
